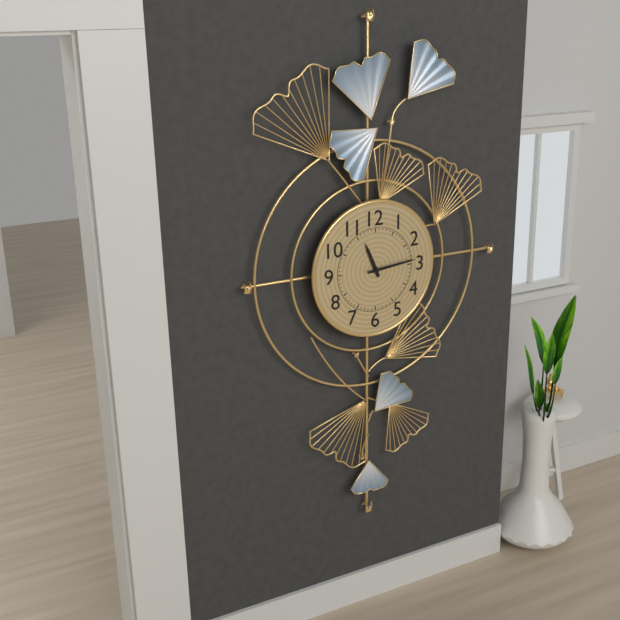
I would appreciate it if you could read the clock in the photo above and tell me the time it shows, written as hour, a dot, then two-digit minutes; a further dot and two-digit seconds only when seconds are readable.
11.14
